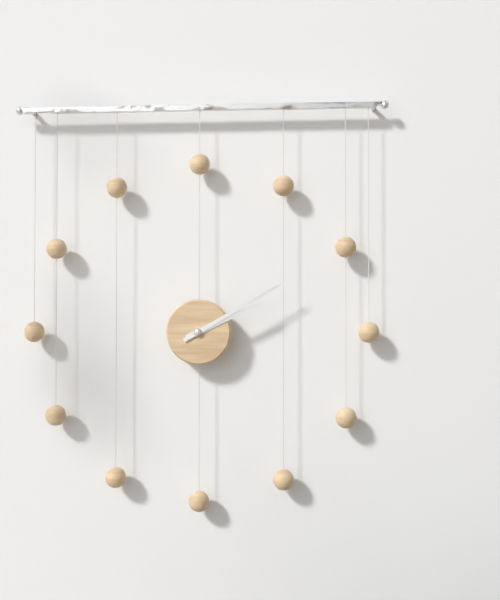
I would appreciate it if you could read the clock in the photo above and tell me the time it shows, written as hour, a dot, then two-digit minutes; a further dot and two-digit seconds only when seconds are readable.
2.10
